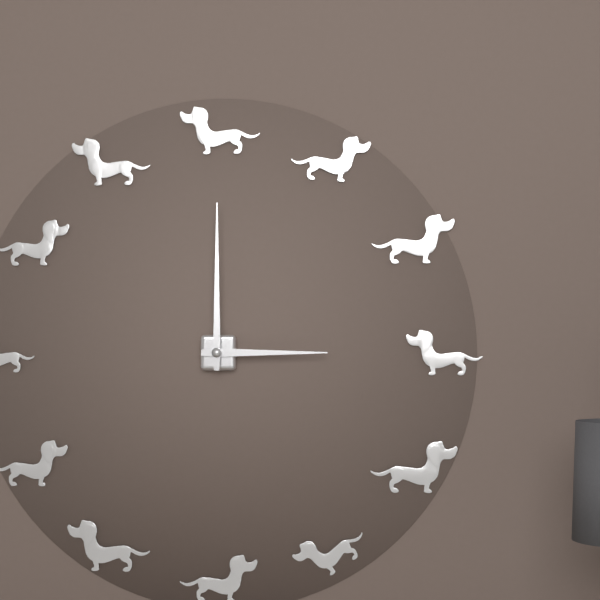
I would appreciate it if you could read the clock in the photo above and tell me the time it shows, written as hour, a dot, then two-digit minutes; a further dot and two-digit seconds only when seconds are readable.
3.00
